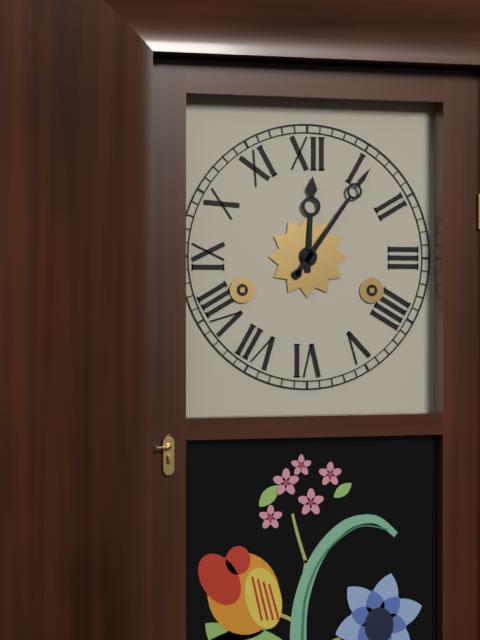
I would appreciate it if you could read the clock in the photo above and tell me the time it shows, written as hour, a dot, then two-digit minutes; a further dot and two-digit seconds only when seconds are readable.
12.06
